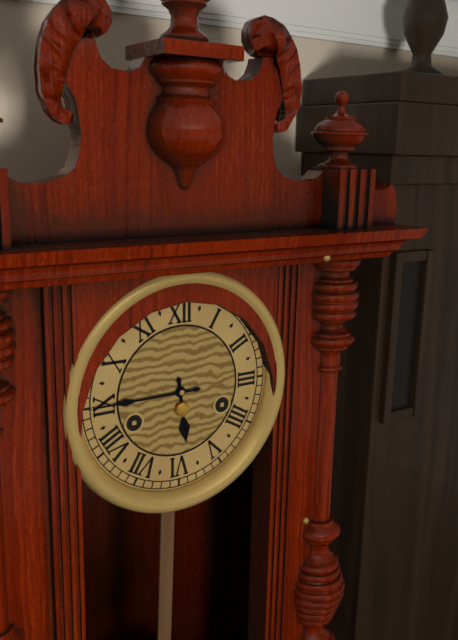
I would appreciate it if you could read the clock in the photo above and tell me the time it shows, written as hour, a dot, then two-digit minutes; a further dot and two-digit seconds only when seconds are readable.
5.45
